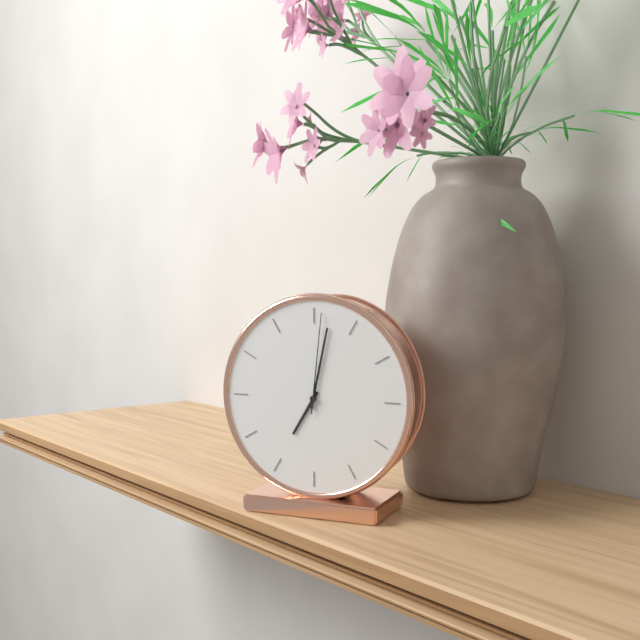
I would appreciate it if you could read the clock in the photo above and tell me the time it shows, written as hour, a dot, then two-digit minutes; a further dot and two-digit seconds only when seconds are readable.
7.02.01
